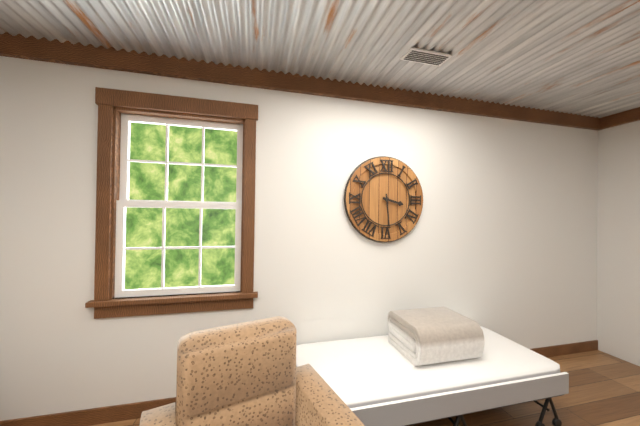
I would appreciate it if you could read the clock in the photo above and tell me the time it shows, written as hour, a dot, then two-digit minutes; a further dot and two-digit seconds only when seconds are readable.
3.29
